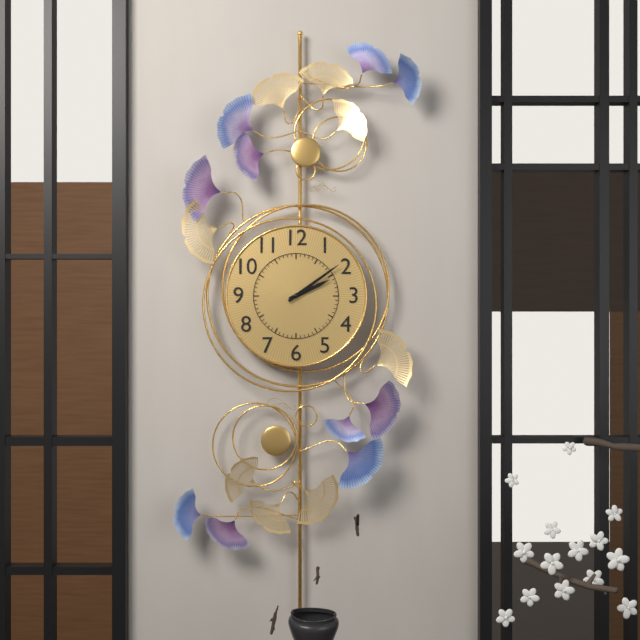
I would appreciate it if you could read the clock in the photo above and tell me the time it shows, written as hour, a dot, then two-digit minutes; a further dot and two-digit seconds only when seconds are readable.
2.09
